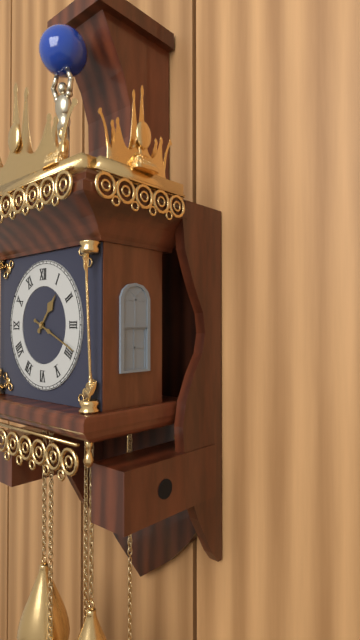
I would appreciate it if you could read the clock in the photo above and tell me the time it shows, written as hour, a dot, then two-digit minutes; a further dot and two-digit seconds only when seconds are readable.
1.19
